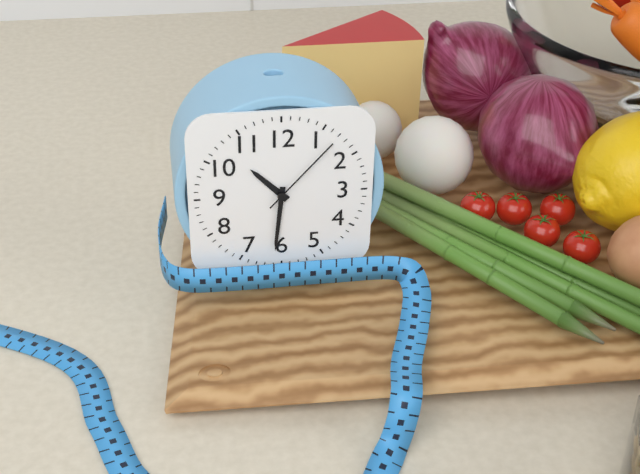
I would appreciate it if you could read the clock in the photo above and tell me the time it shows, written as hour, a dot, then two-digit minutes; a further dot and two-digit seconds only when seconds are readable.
10.31.07
